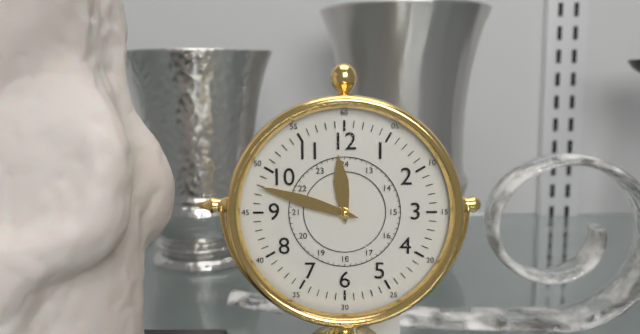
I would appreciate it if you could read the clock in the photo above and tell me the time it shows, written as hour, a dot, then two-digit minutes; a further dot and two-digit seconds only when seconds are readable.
11.48
